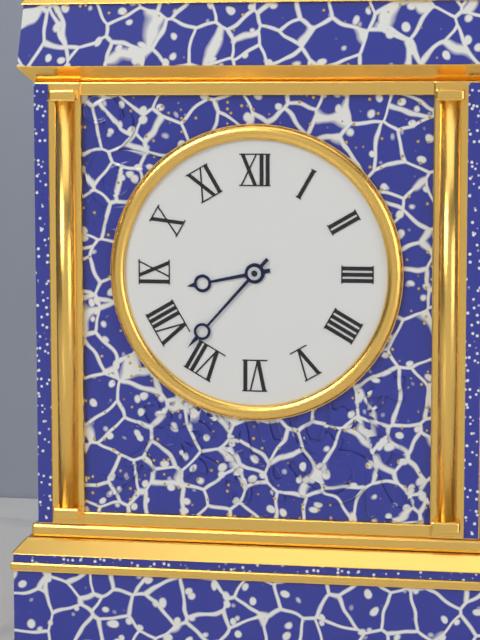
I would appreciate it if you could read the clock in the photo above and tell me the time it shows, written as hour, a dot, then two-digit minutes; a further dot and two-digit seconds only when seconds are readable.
8.37
